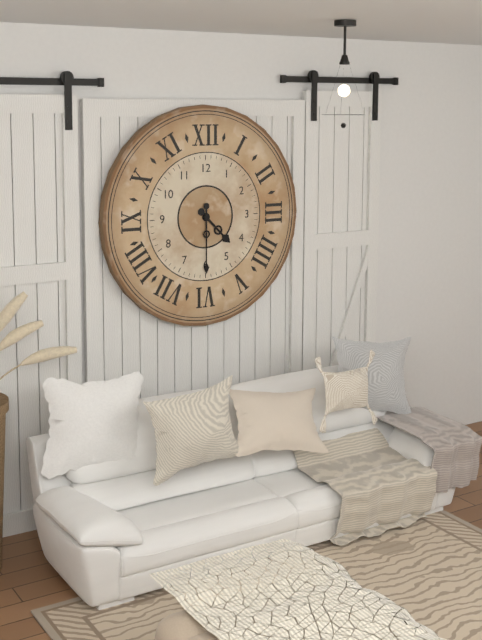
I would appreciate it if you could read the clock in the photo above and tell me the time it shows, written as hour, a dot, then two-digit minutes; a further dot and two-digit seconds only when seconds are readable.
4.30
